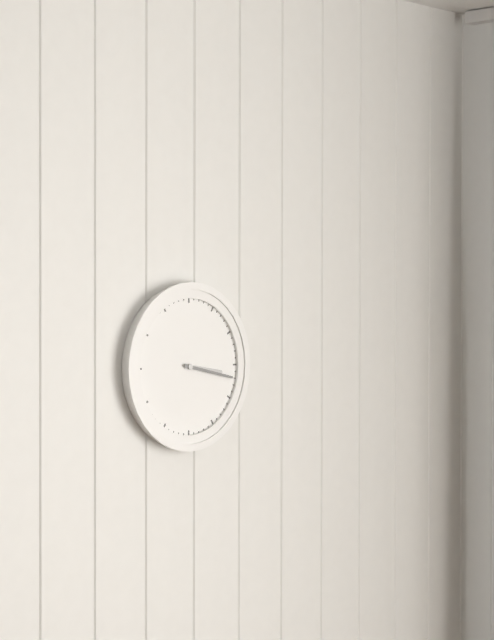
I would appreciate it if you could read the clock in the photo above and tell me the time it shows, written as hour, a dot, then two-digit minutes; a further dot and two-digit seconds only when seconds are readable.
3.17
